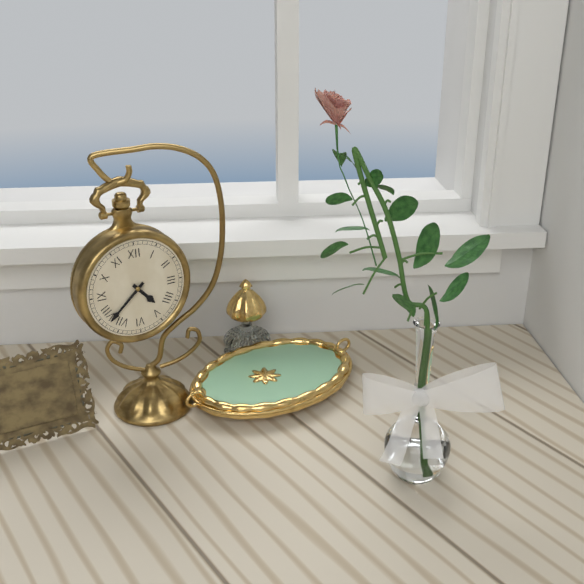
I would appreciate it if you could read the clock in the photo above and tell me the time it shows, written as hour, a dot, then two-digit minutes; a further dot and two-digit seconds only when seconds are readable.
4.38
